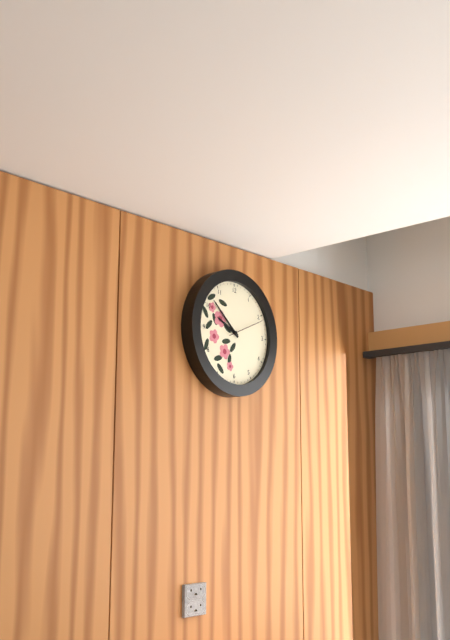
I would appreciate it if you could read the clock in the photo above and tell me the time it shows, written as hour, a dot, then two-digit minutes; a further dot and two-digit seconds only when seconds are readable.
9.52
